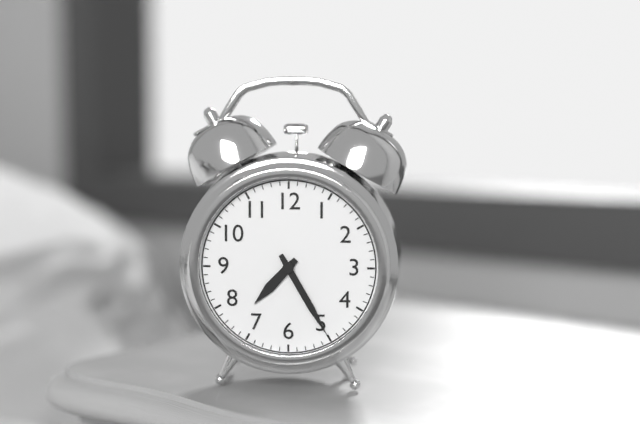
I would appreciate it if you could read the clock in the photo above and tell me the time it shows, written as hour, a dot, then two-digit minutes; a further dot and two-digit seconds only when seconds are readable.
7.25
